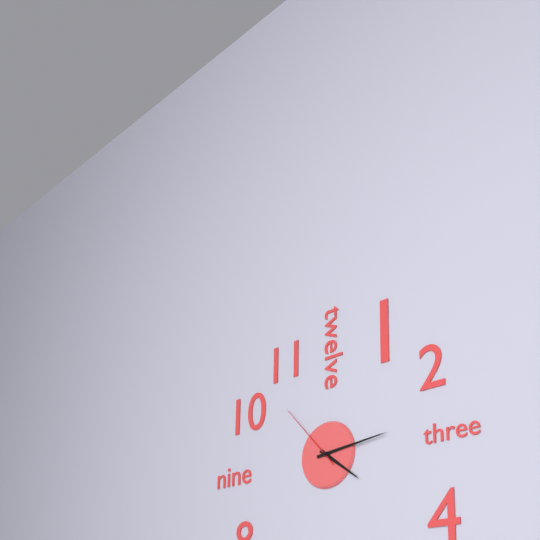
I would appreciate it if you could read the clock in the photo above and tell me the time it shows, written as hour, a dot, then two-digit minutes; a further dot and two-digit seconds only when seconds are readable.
4.14.53
